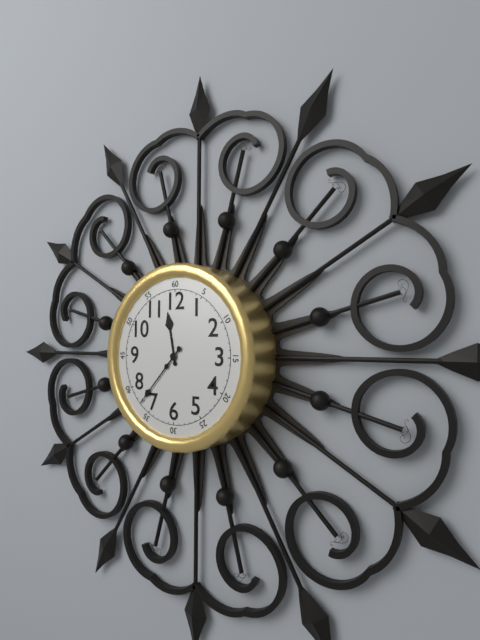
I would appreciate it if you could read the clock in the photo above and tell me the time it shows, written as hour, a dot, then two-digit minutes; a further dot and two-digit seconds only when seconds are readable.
11.37
